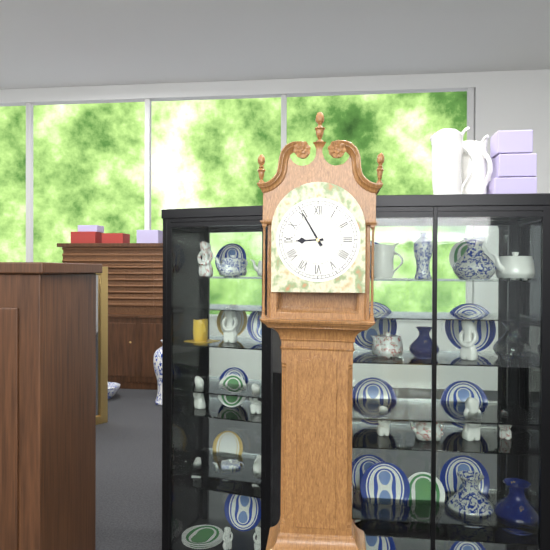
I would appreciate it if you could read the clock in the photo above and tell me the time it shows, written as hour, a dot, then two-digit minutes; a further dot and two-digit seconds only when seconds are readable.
8.55
